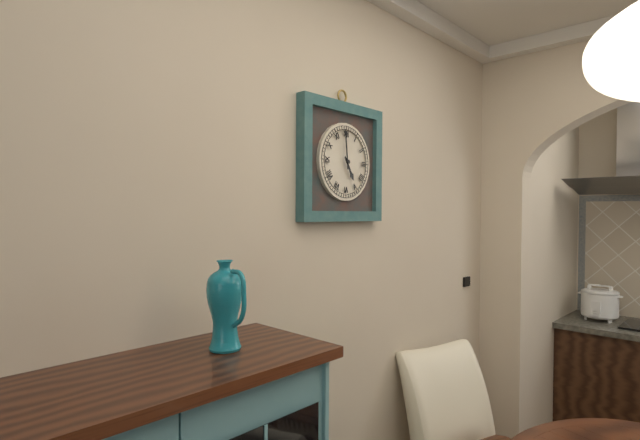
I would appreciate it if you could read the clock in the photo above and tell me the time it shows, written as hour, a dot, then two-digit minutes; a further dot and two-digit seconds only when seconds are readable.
4.59
